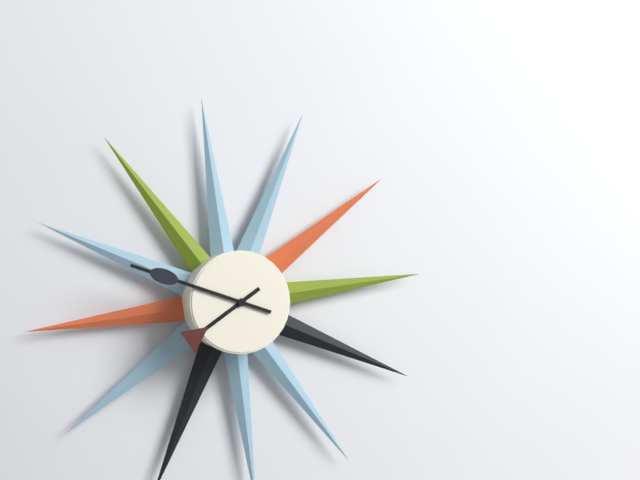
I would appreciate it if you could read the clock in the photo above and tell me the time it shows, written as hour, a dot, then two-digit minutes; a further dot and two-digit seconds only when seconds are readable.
7.48
